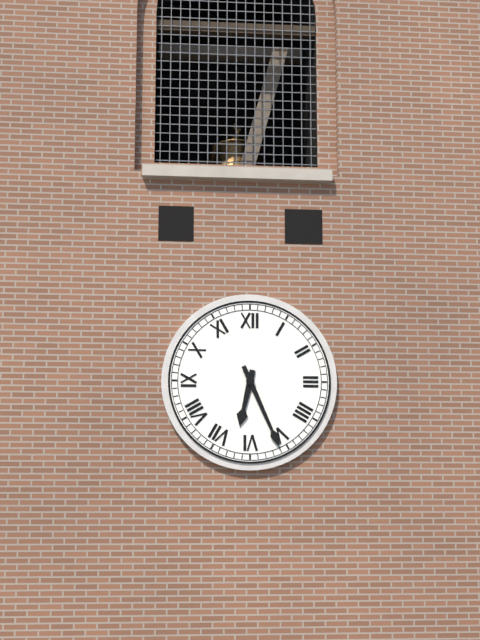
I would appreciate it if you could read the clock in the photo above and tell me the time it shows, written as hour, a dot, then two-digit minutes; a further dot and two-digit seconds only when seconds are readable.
6.26
